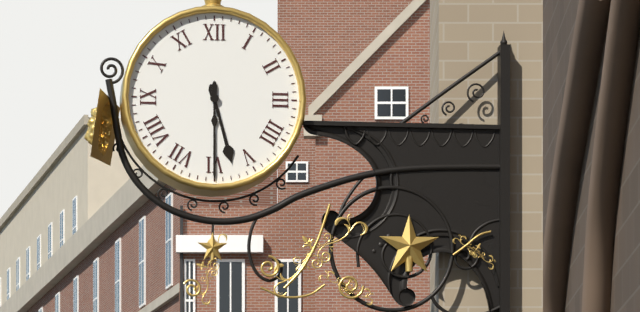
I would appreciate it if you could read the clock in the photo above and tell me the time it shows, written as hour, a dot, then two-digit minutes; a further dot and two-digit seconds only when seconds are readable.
5.30
